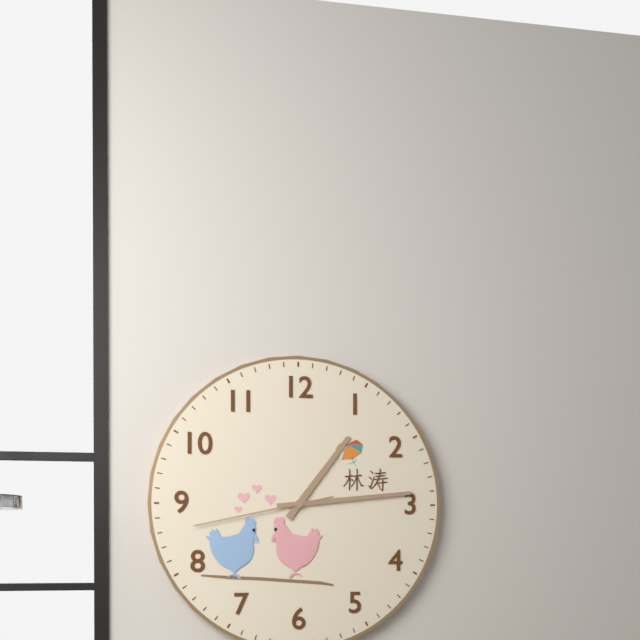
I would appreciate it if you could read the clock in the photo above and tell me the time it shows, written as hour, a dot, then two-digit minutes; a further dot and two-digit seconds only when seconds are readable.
1.14.43
